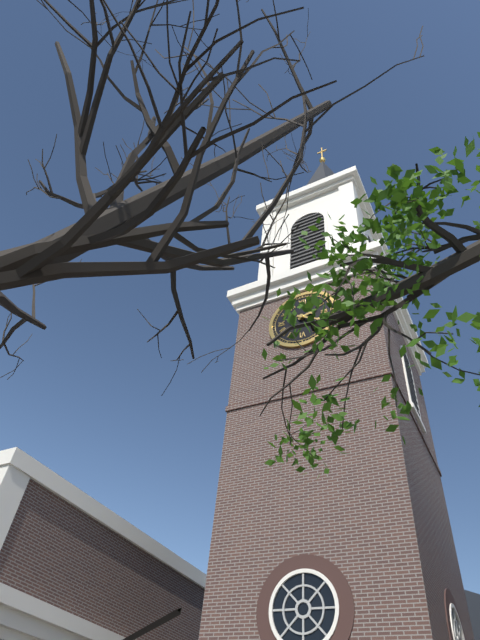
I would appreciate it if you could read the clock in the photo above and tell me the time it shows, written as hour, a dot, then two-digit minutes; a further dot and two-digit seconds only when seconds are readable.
2.20
